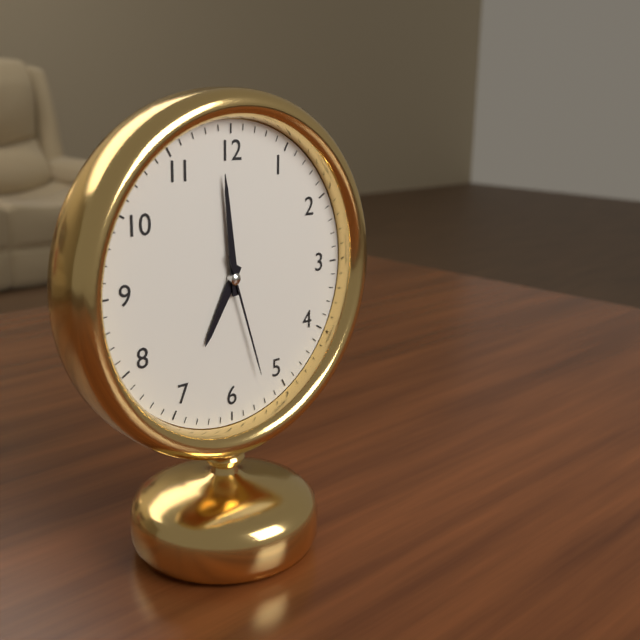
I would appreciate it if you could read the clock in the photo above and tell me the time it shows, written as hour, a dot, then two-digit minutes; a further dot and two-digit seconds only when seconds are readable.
6.59.27
